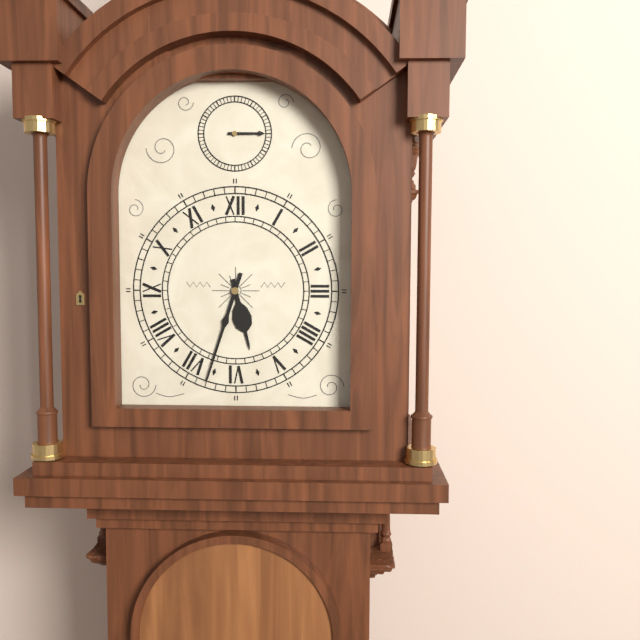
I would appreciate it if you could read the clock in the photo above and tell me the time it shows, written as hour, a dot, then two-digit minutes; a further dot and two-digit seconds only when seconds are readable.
5.33
